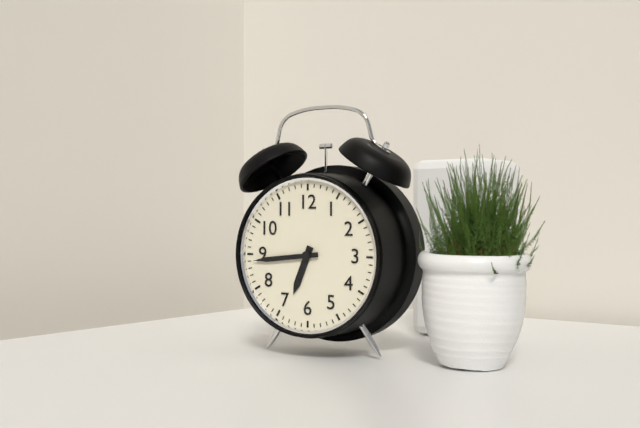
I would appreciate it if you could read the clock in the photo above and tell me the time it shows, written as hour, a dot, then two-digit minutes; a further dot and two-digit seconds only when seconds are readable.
6.44
